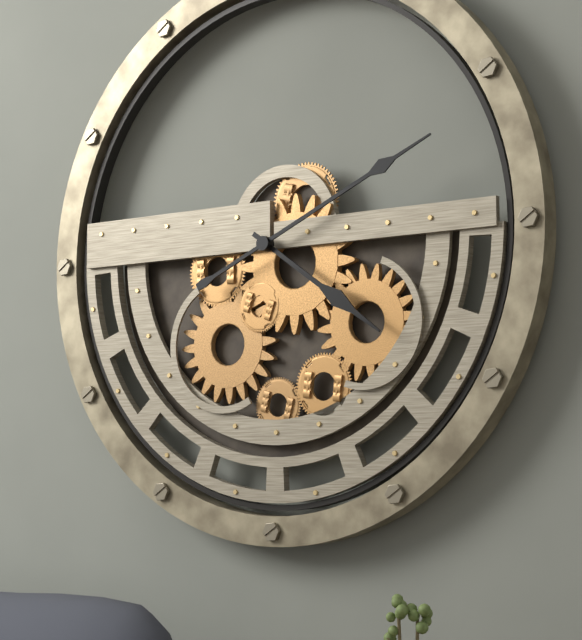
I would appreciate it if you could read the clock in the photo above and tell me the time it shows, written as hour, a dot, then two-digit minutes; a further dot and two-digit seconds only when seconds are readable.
4.11
